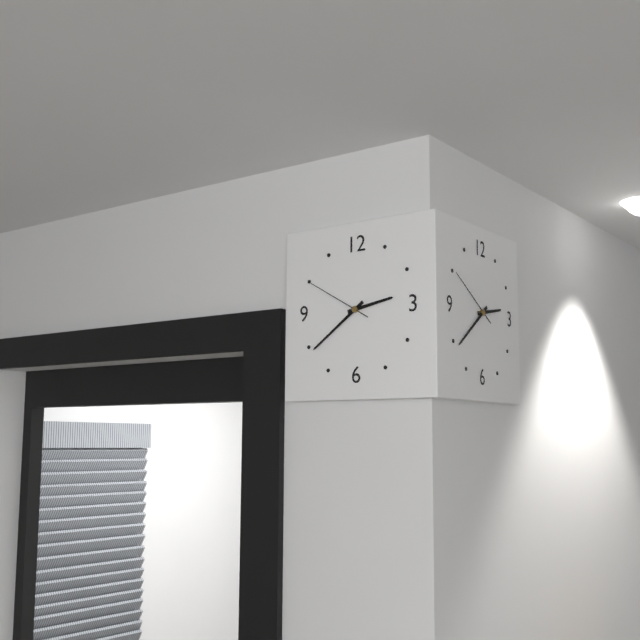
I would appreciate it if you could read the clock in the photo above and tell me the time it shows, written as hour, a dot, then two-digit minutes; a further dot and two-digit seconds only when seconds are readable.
2.39.50
